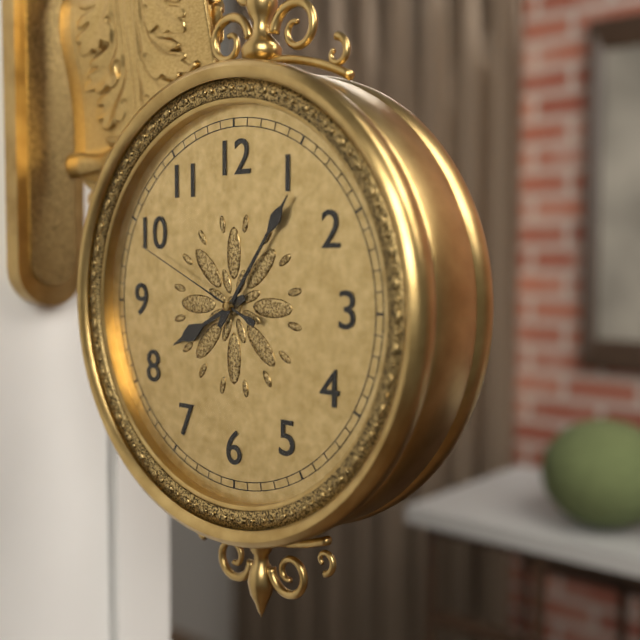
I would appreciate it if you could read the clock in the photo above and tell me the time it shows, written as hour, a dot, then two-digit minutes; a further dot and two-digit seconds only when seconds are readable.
8.06.49
